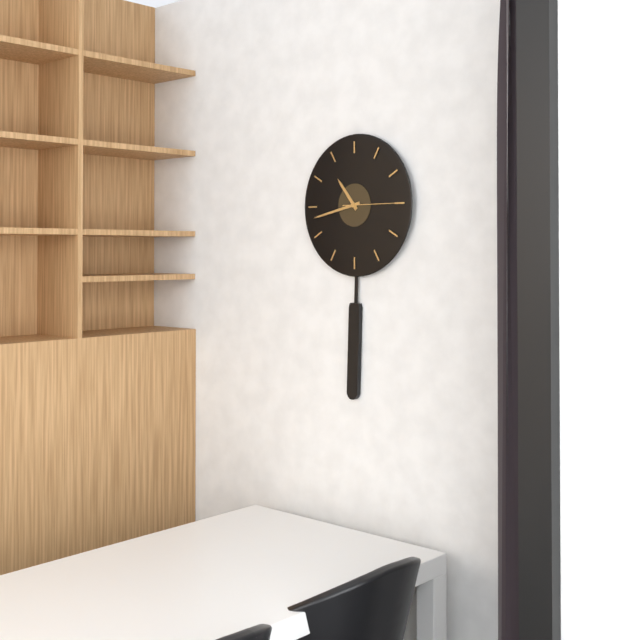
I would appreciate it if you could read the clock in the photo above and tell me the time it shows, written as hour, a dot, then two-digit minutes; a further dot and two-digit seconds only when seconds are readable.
10.43.15
